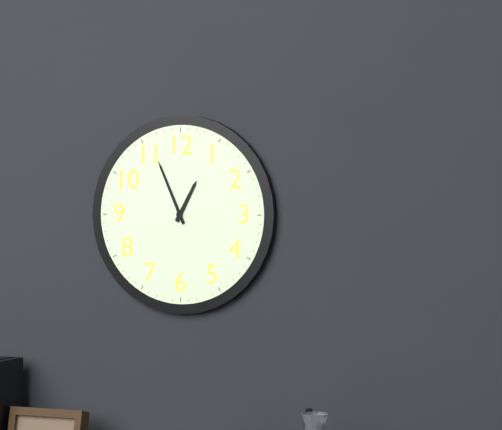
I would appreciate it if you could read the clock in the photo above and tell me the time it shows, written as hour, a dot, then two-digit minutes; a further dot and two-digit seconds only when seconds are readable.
12.56
